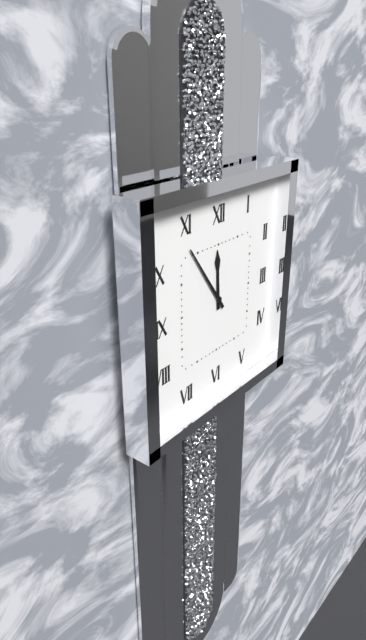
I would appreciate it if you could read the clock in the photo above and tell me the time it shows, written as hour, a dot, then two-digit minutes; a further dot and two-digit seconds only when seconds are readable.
11.54
